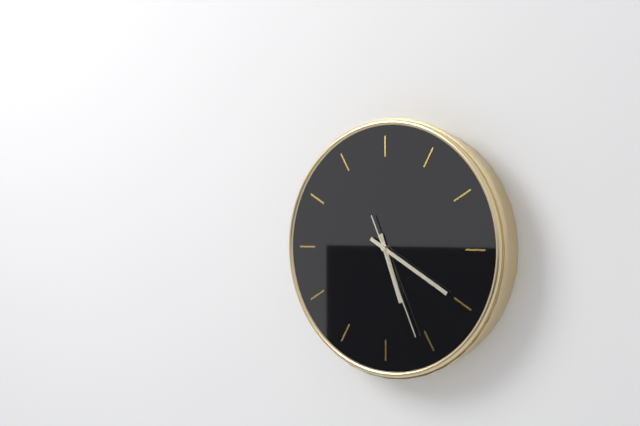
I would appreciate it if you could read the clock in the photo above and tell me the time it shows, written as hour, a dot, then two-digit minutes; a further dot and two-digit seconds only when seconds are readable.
5.20.26
